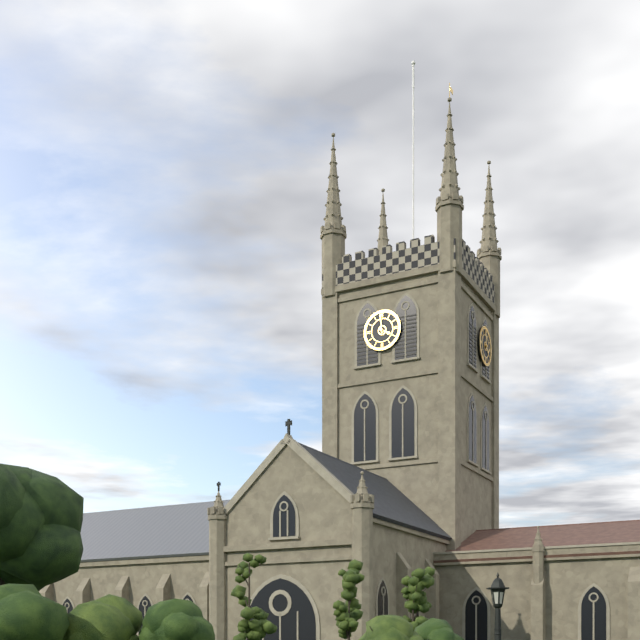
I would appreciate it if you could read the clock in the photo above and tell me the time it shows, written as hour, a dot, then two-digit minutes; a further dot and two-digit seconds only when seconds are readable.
3.59
